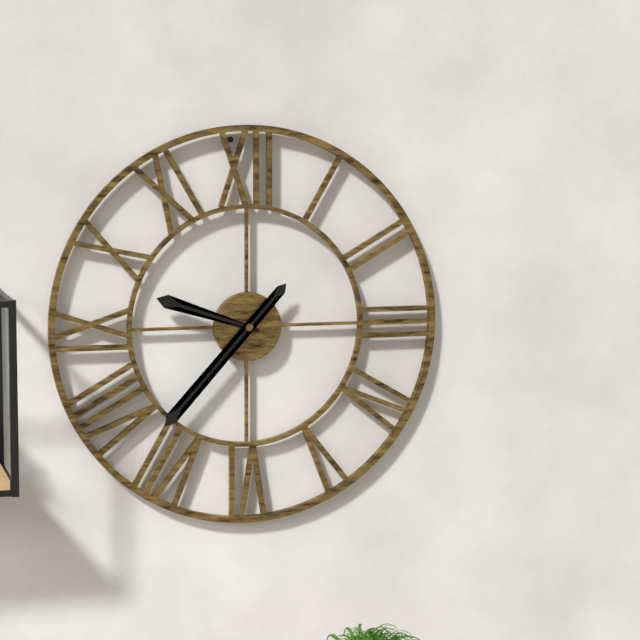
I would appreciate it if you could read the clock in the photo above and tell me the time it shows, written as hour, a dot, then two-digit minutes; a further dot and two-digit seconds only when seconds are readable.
9.37
